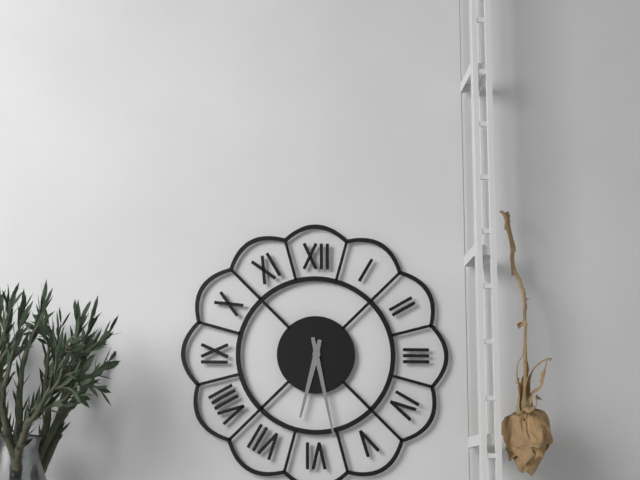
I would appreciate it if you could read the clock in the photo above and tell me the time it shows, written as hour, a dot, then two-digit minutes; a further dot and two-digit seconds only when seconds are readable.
6.28
